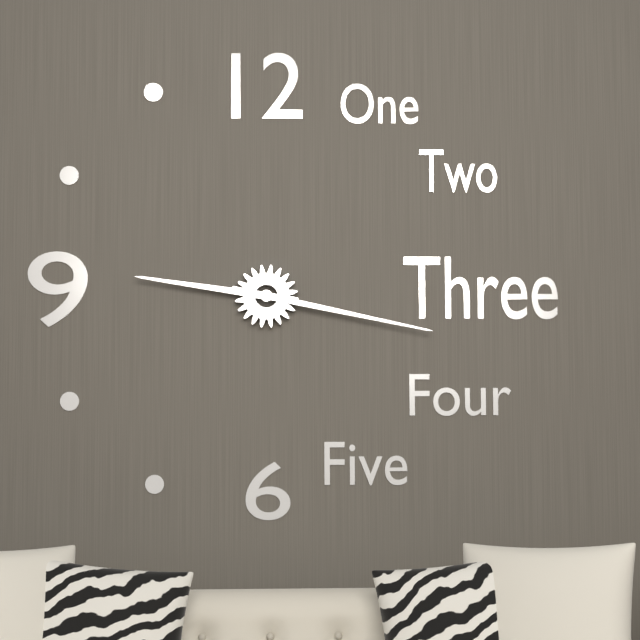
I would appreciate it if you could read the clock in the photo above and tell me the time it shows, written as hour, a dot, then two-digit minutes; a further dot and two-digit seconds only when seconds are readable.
9.17
